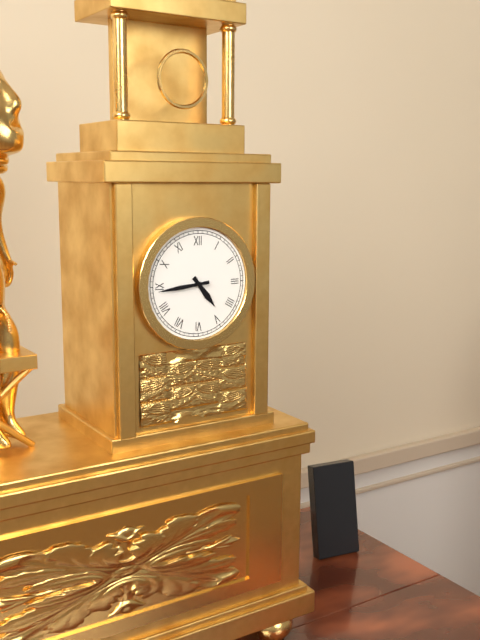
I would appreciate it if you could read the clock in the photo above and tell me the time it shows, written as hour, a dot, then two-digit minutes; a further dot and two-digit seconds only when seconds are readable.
4.44
